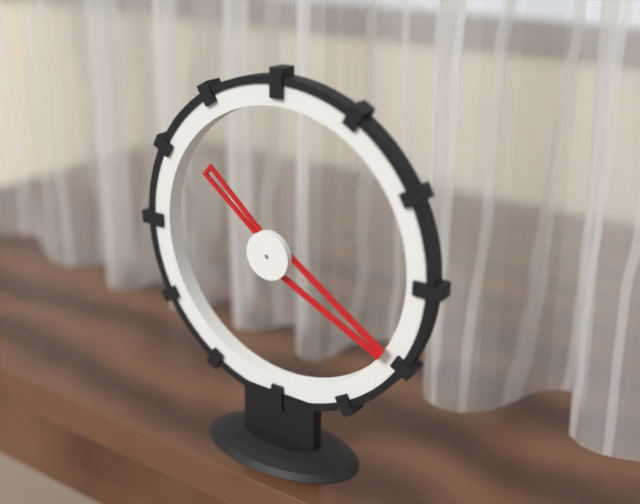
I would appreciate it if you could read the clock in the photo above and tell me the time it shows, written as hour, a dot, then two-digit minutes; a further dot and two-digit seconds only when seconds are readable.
10.20
